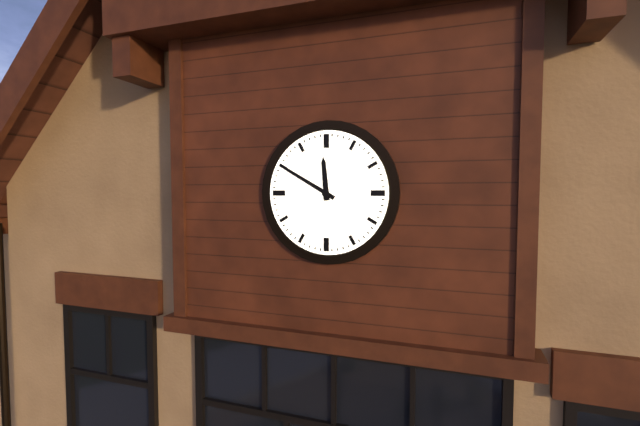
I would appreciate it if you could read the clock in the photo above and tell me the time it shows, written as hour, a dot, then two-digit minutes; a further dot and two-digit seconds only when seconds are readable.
11.50
